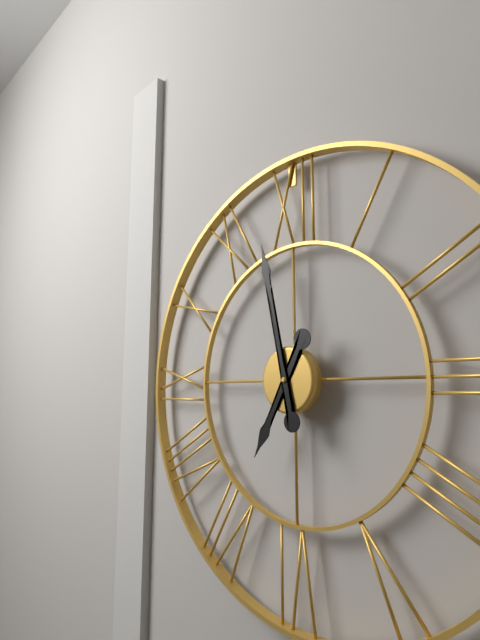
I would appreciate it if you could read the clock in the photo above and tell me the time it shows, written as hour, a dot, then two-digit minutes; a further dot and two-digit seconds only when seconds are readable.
6.58
